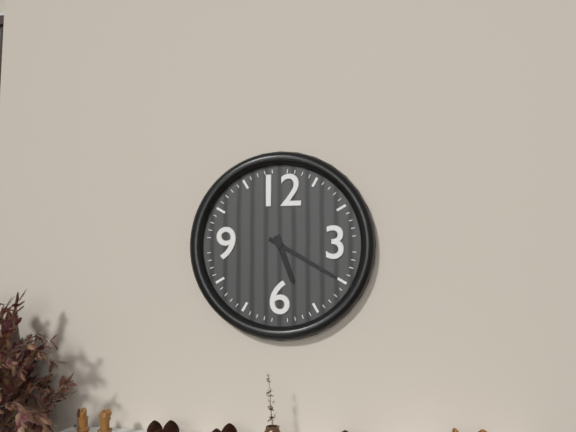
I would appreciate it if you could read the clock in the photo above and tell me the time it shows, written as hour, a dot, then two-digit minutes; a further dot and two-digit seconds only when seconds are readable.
5.20
